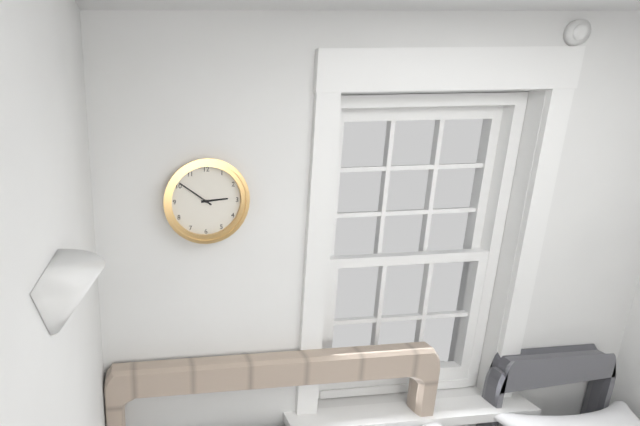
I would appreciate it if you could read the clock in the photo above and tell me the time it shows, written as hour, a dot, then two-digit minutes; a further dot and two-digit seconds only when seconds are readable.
2.51
